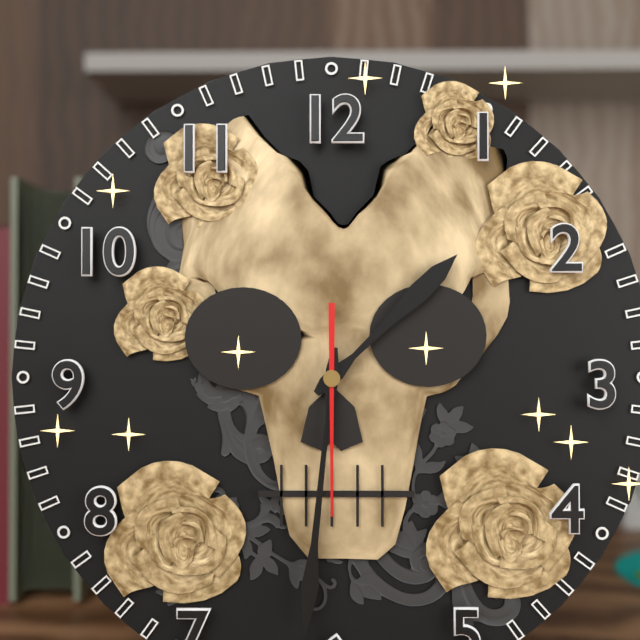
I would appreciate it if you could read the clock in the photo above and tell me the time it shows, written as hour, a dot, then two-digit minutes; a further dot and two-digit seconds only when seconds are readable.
1.31.30
